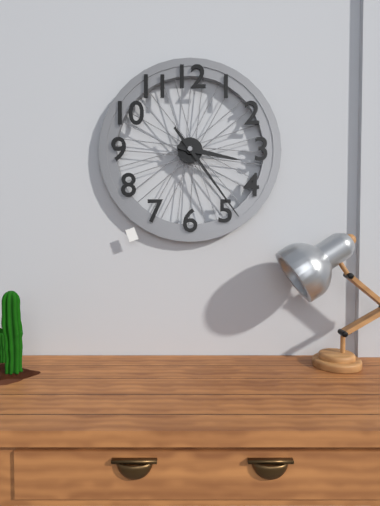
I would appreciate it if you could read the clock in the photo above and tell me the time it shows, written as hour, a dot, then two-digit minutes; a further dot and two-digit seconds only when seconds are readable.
3.24
